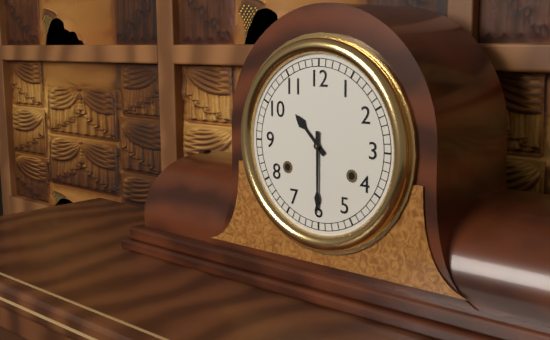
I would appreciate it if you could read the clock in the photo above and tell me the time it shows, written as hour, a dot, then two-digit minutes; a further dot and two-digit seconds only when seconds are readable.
10.30
